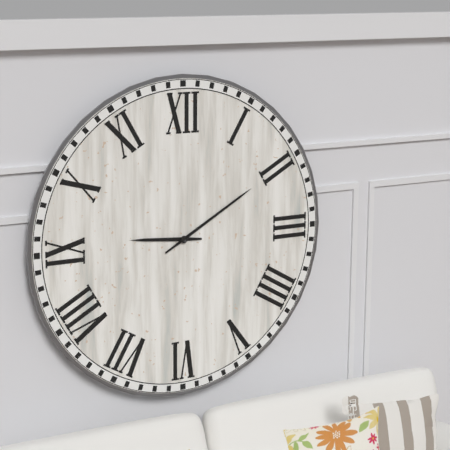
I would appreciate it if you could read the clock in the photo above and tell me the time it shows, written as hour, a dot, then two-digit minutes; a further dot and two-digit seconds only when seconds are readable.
9.10
